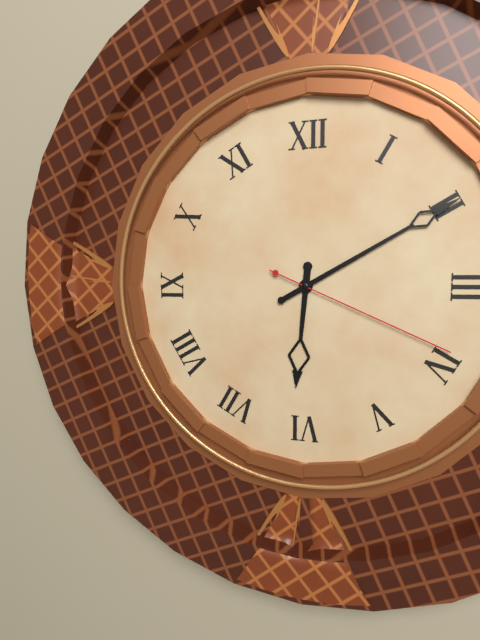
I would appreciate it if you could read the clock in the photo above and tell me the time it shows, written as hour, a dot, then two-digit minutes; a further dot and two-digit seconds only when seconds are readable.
6.10.19
